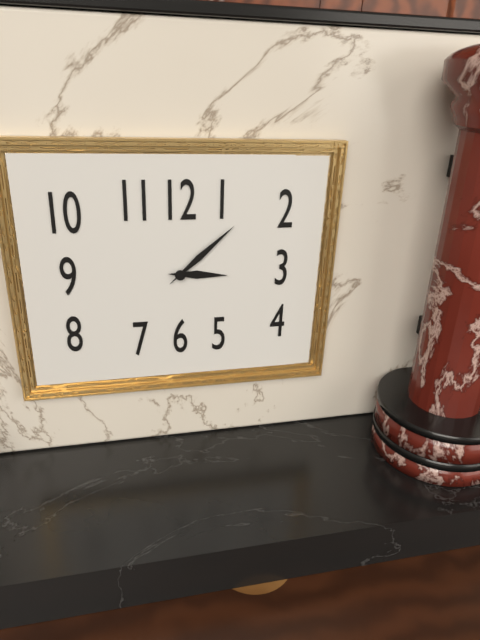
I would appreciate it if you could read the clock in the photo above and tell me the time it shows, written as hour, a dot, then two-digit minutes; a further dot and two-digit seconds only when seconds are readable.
3.08
